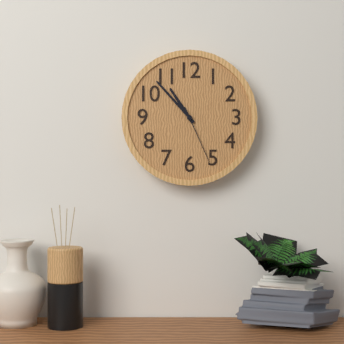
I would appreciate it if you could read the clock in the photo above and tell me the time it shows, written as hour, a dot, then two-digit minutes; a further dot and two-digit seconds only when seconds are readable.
10.53.26
